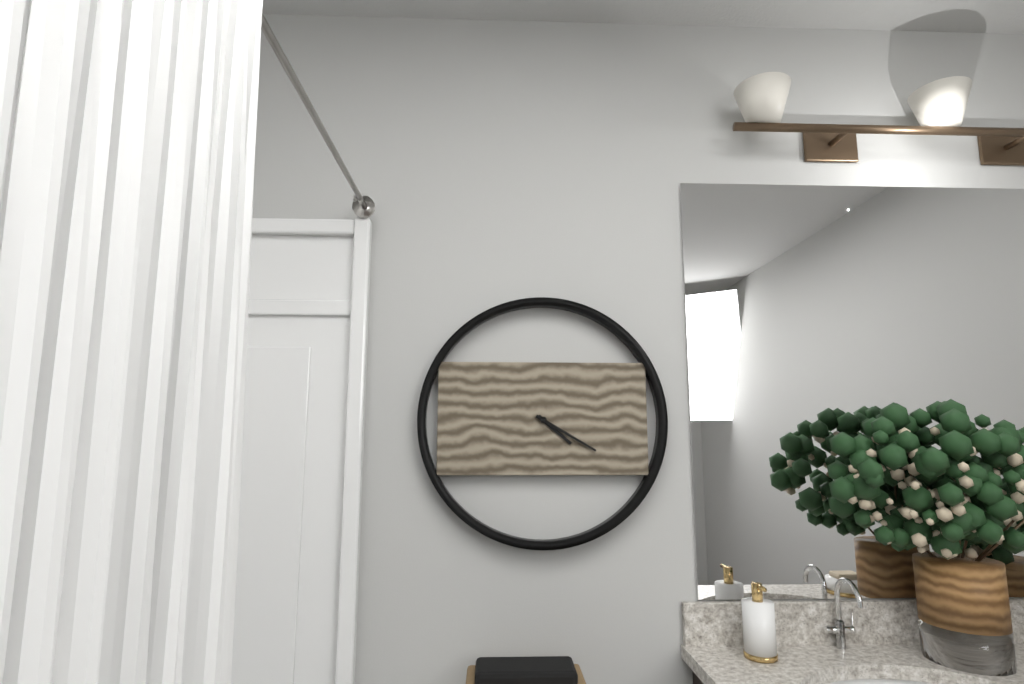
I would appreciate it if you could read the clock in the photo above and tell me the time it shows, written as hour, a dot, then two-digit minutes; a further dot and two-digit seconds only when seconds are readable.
4.20
